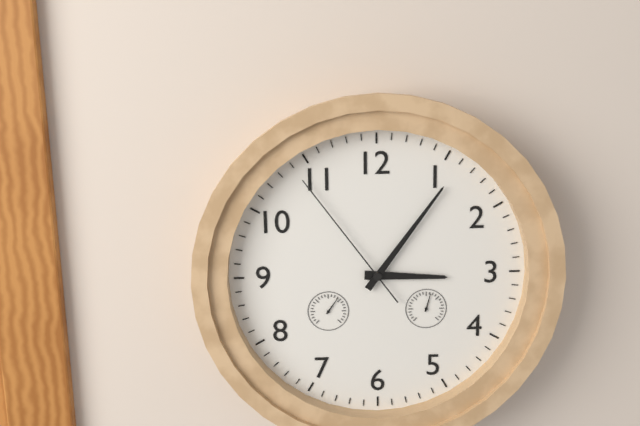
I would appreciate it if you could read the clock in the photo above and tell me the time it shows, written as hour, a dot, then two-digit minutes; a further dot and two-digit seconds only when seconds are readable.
3.06.54
